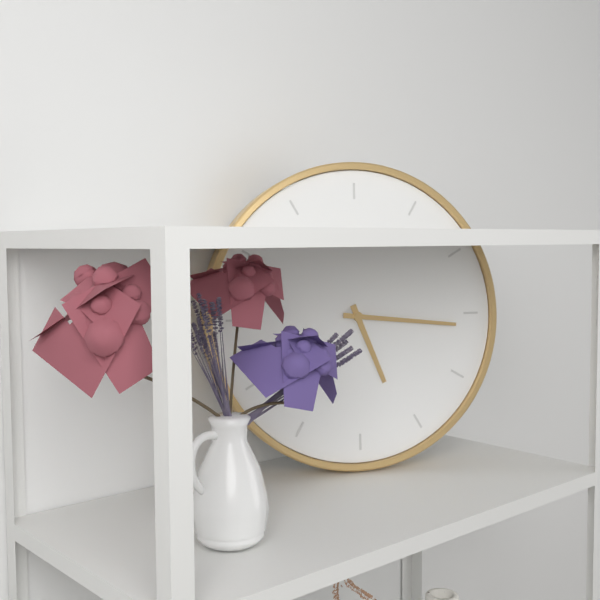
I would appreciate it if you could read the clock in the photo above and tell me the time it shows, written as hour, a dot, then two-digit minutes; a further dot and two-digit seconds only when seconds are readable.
5.16
